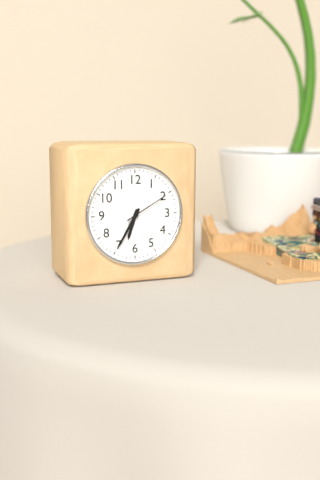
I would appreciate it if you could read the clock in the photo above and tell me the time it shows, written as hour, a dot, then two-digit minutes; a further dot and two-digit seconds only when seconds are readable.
6.35
